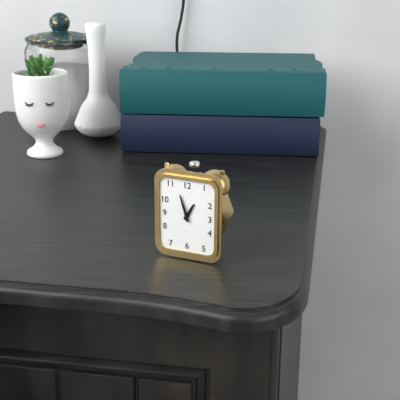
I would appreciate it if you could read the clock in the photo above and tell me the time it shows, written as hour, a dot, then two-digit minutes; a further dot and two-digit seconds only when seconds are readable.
12.57
